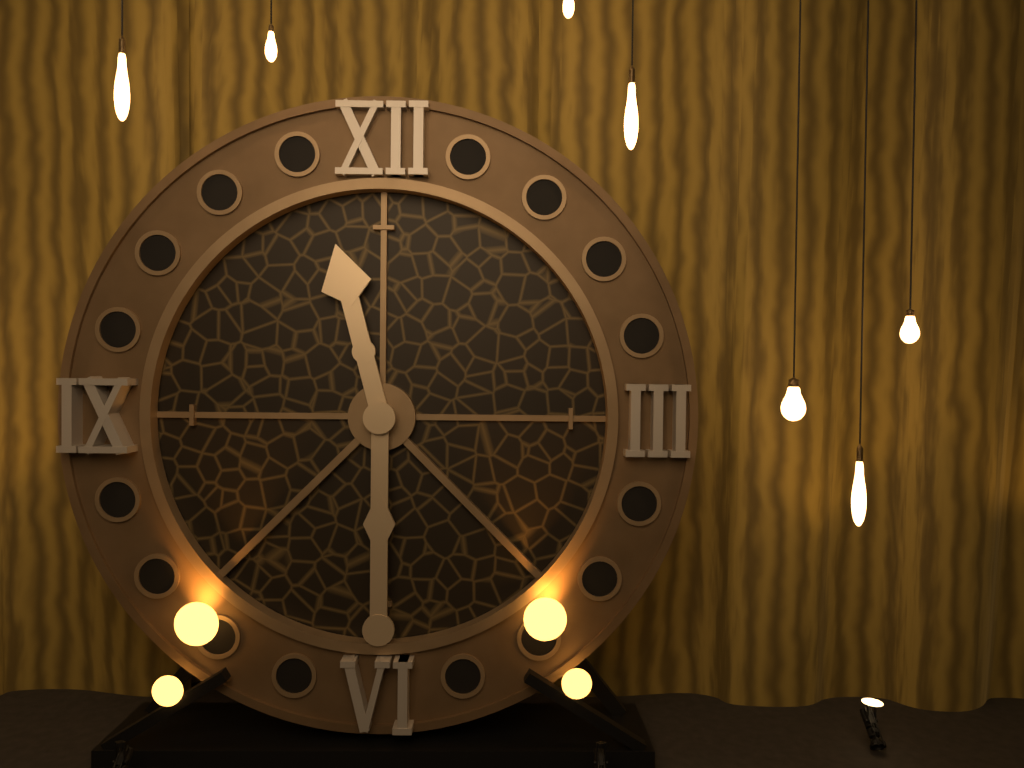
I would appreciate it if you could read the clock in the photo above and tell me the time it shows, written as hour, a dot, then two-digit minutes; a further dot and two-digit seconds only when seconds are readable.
11.30
